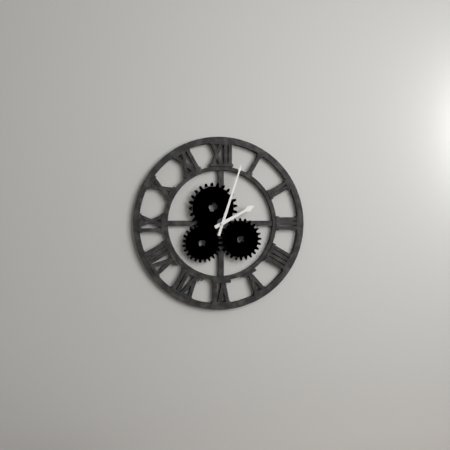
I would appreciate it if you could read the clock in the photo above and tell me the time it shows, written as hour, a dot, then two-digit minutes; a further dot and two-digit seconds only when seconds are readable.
2.03
